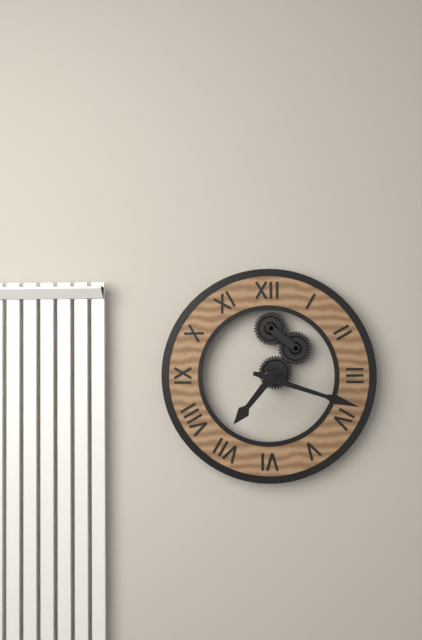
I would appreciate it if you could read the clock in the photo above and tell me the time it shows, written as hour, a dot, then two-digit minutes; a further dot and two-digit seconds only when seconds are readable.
7.18
